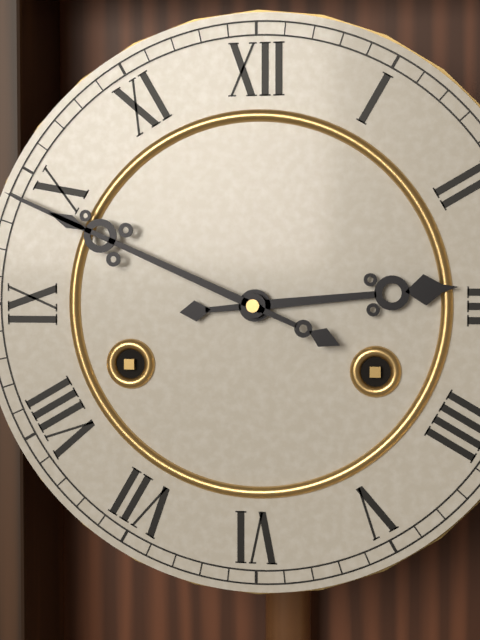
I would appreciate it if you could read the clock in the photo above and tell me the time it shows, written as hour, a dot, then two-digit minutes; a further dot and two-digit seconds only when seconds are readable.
2.49
